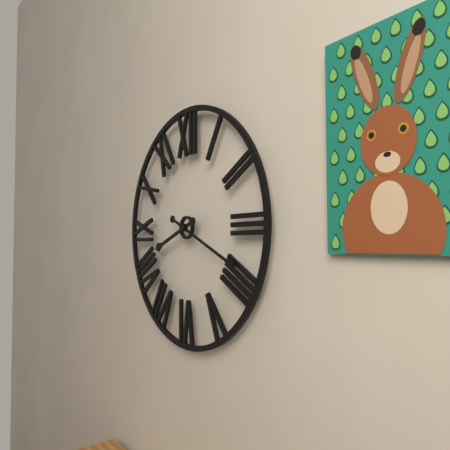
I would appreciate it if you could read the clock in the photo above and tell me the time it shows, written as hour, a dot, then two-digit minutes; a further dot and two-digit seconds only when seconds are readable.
8.19
